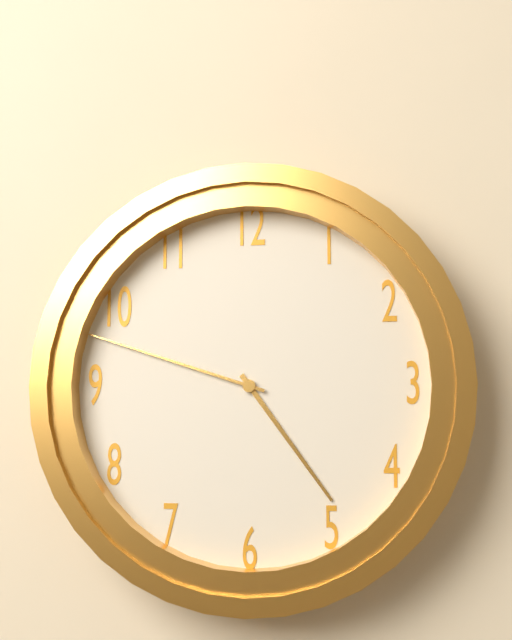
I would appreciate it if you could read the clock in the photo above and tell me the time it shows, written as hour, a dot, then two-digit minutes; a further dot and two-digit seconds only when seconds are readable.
4.48
